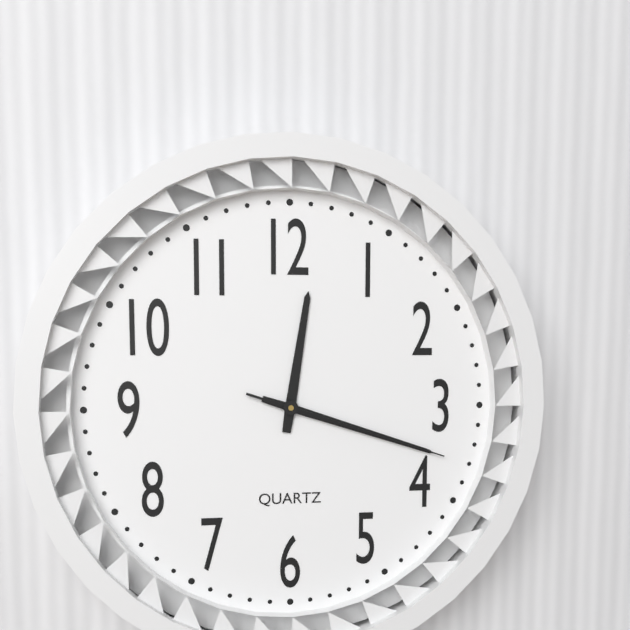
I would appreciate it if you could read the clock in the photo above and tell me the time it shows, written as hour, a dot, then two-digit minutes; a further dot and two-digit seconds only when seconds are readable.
12.18.18
